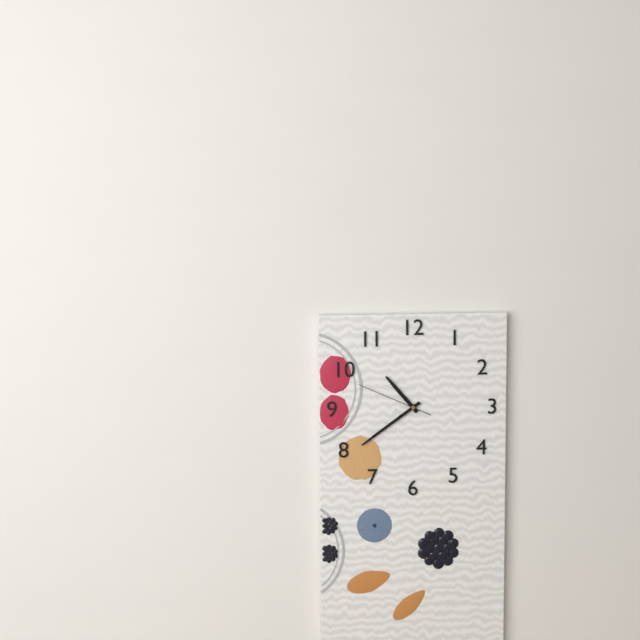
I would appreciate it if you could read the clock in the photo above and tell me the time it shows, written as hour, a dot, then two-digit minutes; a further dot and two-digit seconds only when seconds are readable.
10.39.49
